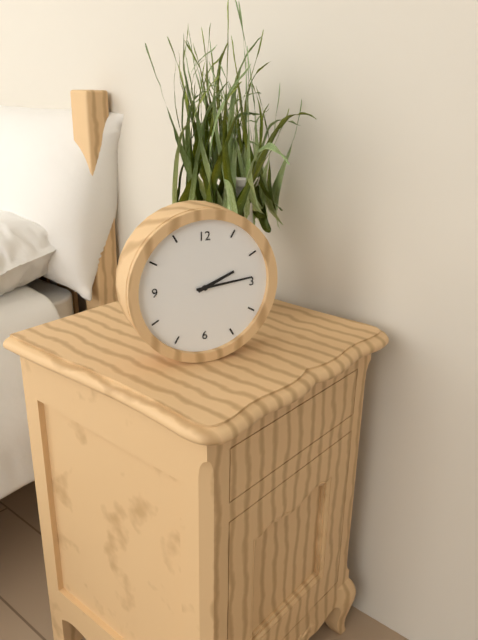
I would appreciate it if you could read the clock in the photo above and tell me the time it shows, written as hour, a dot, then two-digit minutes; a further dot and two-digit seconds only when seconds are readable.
2.14
